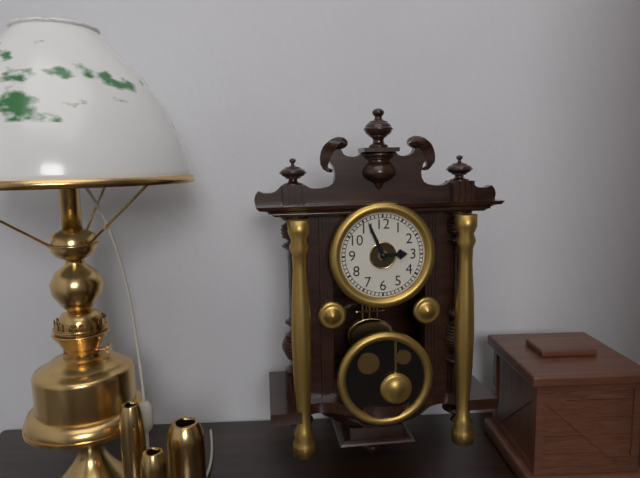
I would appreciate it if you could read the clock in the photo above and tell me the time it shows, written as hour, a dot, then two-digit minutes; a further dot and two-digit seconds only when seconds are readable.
2.56
